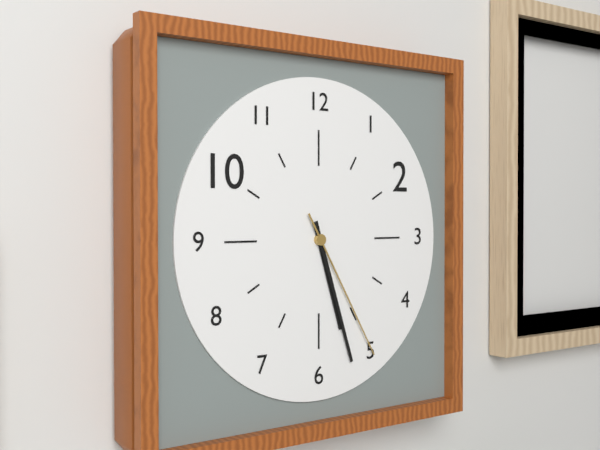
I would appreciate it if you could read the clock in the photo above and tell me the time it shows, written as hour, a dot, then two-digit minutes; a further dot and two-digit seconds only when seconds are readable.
5.27.25
